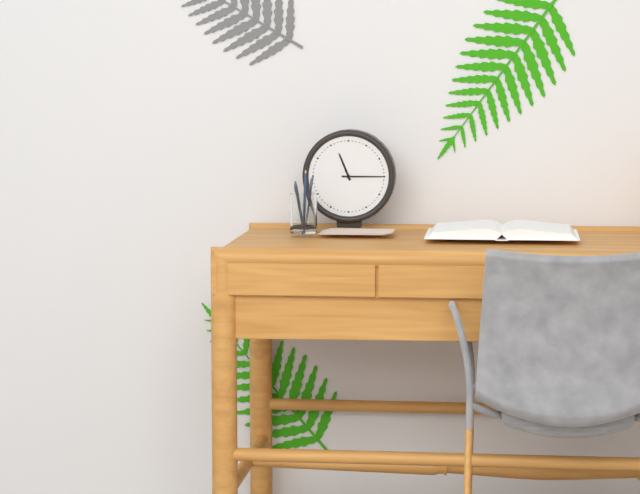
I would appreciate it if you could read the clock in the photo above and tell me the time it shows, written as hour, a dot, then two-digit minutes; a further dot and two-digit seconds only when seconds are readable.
11.15
